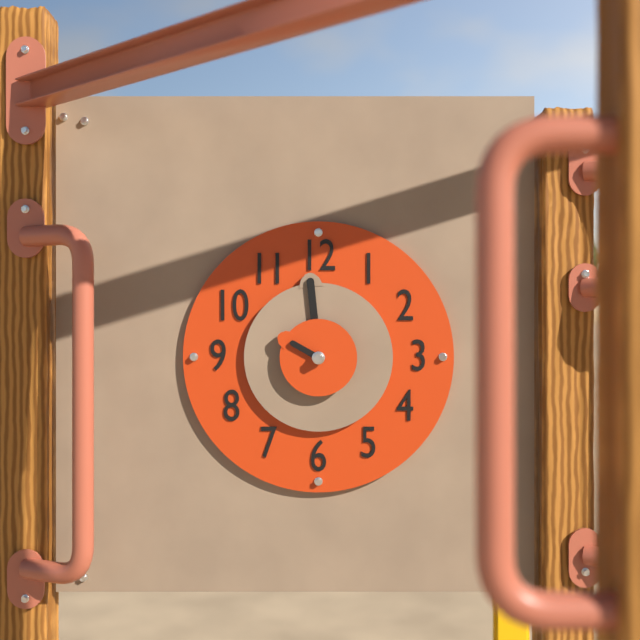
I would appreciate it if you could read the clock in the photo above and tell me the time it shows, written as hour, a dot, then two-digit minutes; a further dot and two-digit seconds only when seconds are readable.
9.59
